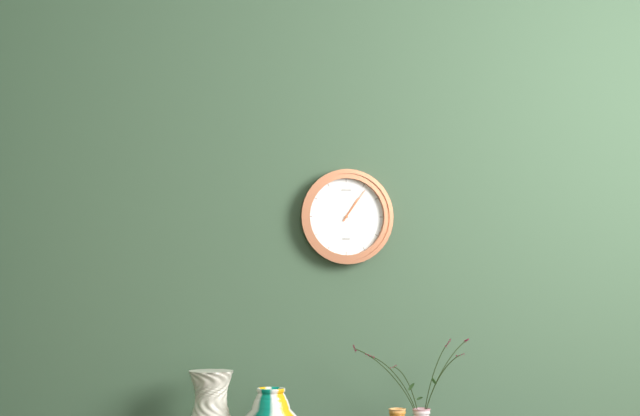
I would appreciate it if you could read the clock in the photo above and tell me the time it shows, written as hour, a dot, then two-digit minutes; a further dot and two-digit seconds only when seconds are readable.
1.06
